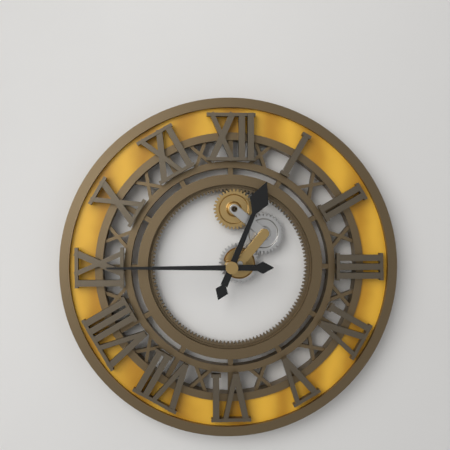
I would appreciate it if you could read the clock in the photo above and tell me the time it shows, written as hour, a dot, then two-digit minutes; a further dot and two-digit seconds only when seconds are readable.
12.45
